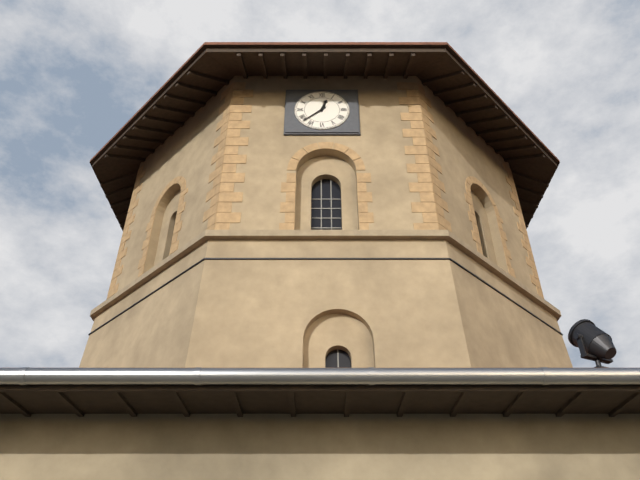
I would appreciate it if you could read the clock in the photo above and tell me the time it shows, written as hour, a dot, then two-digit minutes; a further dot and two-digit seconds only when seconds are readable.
12.38
